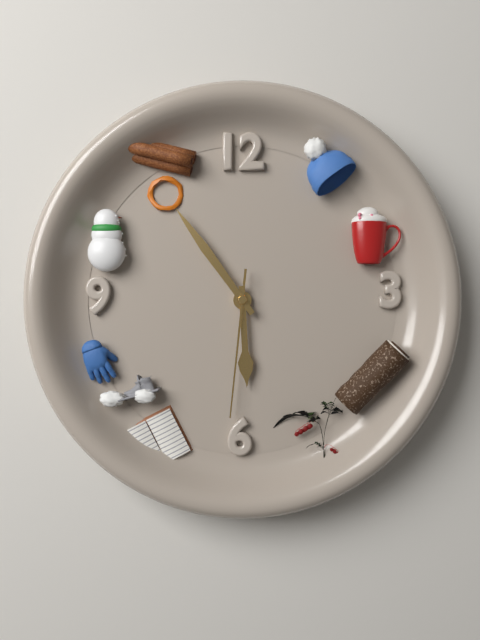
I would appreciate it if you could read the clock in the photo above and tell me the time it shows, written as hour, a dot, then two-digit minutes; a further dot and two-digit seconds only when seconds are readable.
5.54.31
